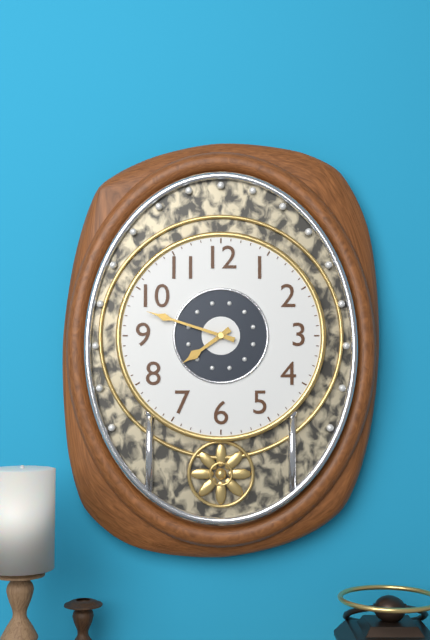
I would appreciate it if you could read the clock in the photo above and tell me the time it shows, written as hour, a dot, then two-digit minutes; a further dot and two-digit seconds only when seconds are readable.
7.48
